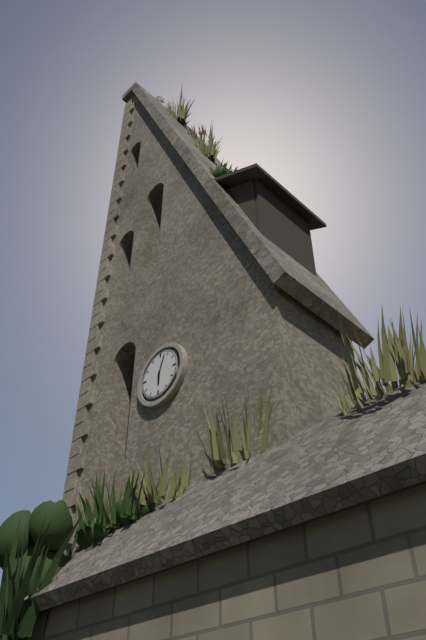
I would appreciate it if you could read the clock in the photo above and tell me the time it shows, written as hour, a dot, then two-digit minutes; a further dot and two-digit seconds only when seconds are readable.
6.03
